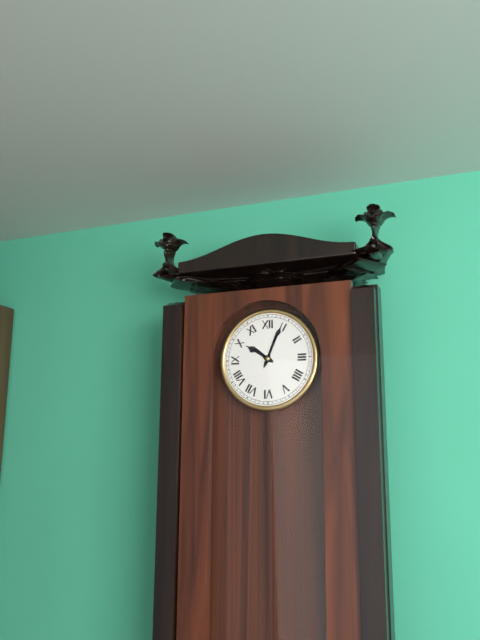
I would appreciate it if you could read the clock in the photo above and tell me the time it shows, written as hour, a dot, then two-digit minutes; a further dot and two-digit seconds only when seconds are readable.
10.04
